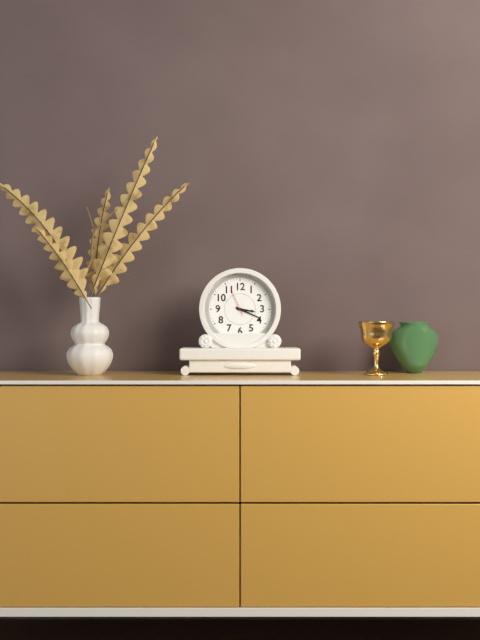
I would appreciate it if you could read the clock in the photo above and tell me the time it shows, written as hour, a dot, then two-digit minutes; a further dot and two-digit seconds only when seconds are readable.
3.19
